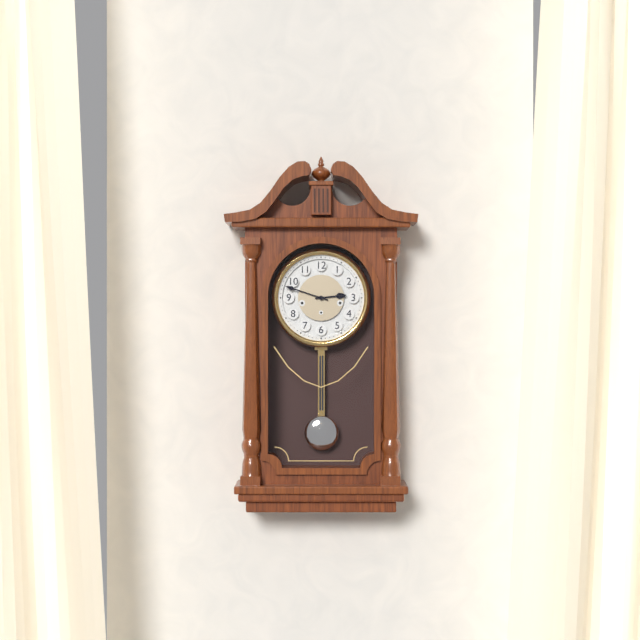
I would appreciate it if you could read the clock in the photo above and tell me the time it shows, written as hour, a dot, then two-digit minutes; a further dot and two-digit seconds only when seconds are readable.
2.48
